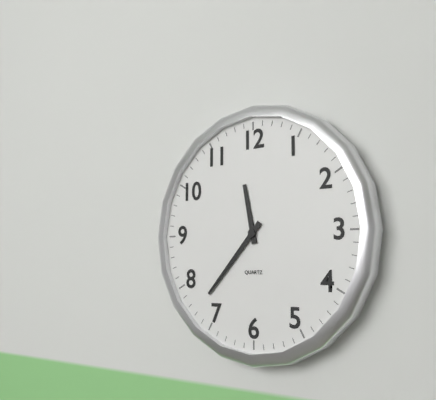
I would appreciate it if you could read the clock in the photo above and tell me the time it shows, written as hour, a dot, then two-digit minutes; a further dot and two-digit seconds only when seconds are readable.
11.37
